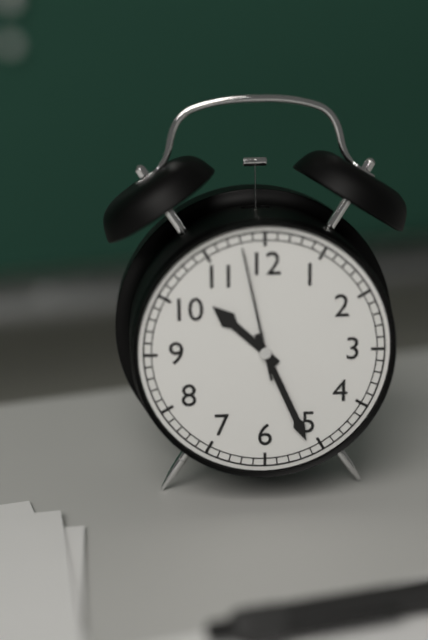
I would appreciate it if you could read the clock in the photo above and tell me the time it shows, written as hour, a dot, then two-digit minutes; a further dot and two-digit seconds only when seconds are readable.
10.26.58
